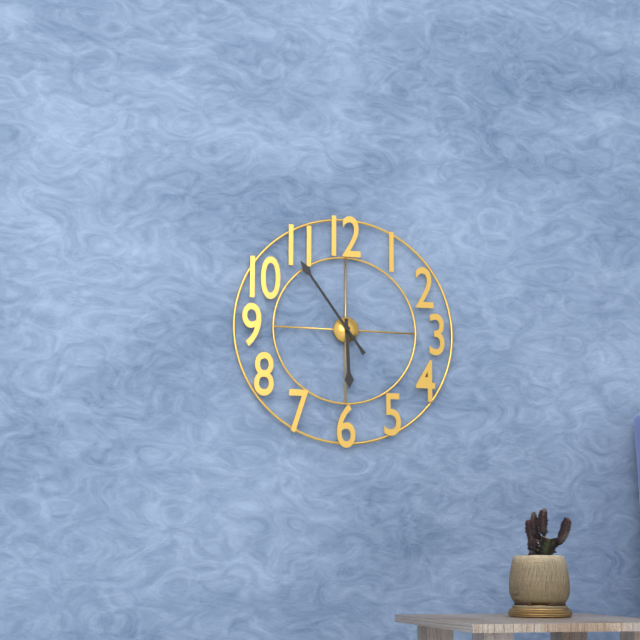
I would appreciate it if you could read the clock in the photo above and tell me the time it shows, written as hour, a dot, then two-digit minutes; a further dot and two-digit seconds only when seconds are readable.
5.54
